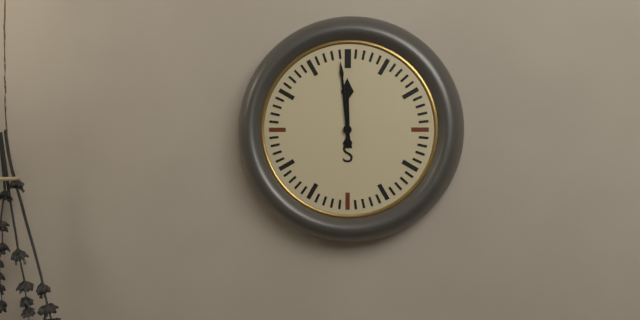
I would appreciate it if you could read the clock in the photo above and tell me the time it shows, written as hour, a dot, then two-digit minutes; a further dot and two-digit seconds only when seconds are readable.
11.59
